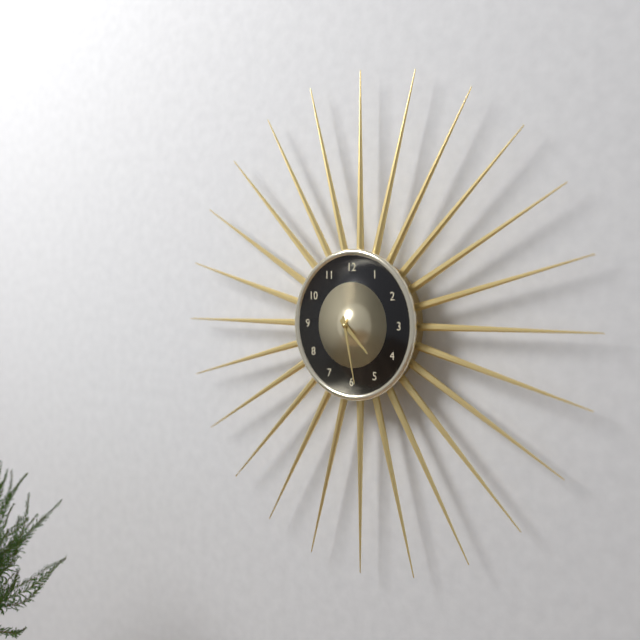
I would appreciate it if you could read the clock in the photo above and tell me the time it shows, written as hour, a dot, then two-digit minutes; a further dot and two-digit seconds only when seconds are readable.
4.28
